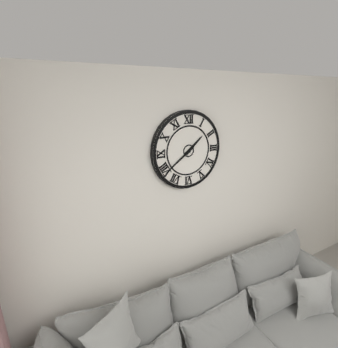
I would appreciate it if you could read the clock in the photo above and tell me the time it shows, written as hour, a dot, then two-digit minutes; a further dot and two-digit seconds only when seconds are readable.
1.39
